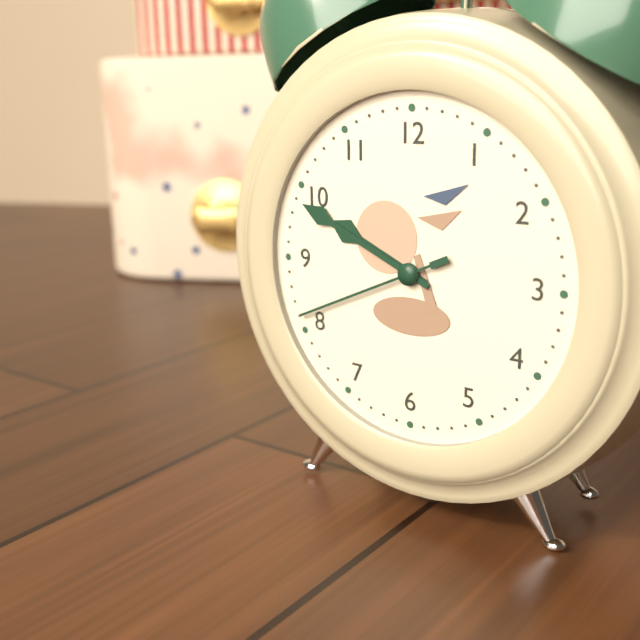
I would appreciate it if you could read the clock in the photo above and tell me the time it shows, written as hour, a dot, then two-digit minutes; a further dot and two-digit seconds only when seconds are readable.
9.49.41
